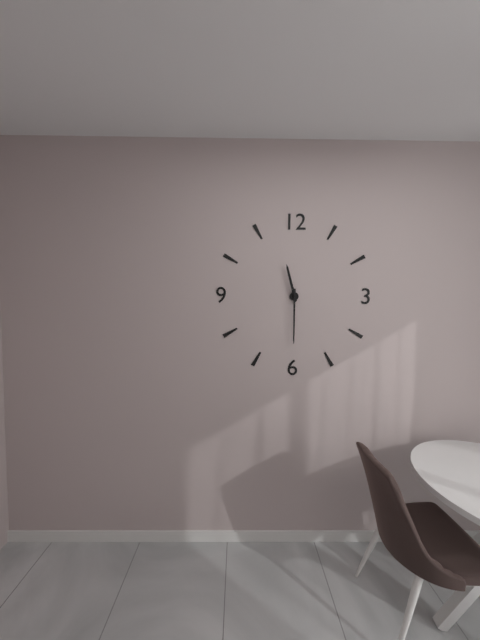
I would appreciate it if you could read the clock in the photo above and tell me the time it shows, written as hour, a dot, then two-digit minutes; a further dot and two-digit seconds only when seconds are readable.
11.30
